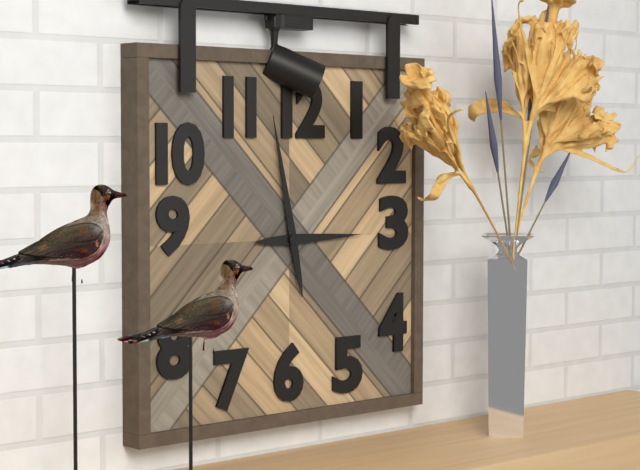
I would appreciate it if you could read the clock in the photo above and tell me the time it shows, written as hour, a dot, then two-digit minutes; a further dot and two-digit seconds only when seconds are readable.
2.58
